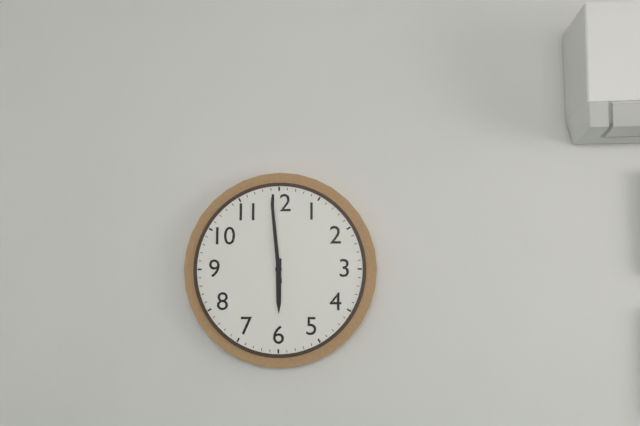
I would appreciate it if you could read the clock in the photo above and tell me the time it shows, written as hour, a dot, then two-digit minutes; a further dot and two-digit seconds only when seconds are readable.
5.59
